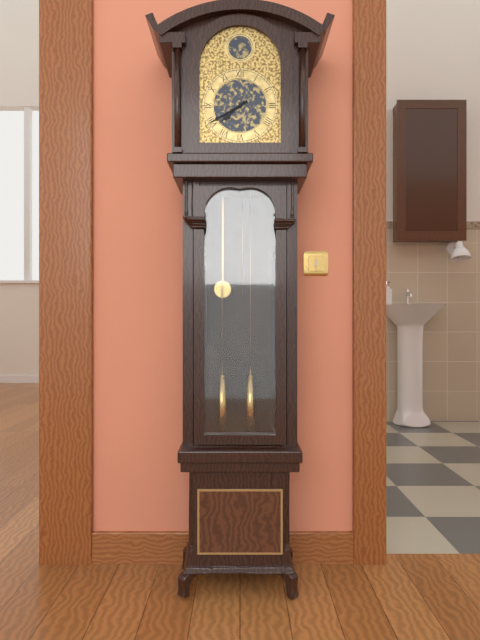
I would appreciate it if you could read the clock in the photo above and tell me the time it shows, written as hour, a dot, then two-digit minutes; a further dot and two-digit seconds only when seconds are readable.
7.40
